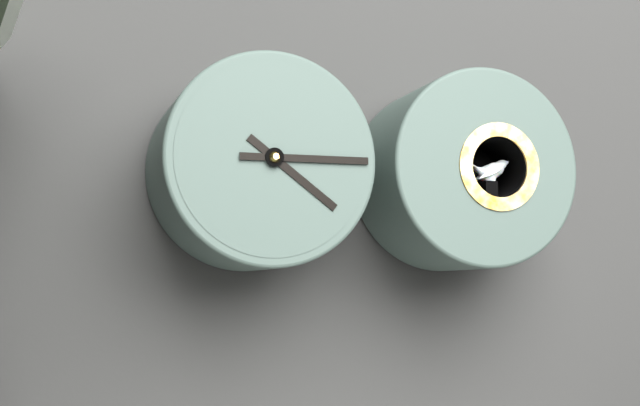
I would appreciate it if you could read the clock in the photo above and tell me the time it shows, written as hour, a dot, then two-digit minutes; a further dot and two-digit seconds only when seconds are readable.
4.15
